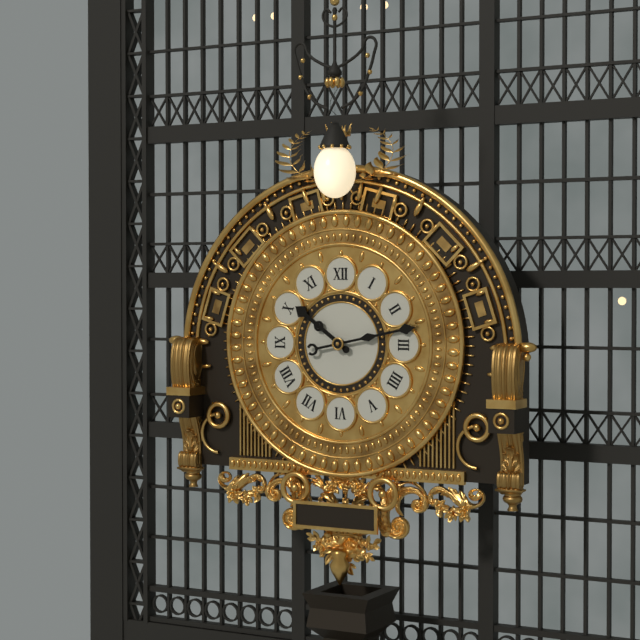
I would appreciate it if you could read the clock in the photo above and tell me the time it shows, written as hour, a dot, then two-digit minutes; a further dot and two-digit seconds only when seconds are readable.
10.13
